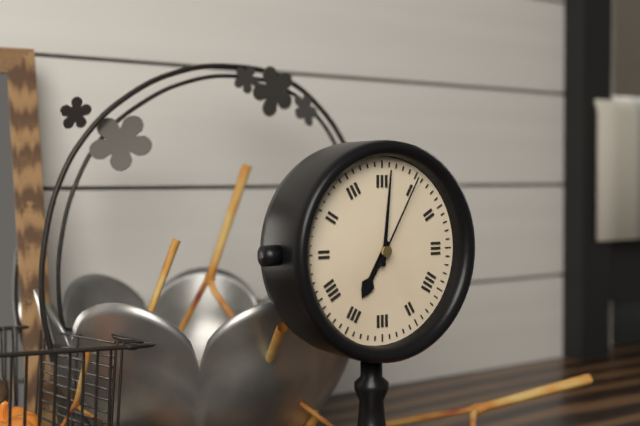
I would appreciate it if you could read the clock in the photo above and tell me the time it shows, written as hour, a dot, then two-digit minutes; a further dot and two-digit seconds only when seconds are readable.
7.01.05
